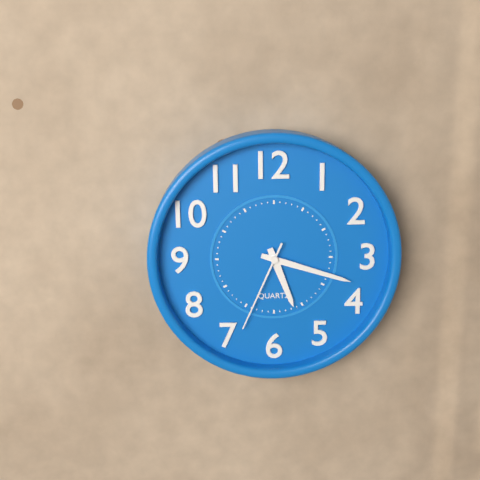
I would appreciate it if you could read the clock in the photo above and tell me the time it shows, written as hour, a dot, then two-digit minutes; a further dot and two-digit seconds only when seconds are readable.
5.18.34
